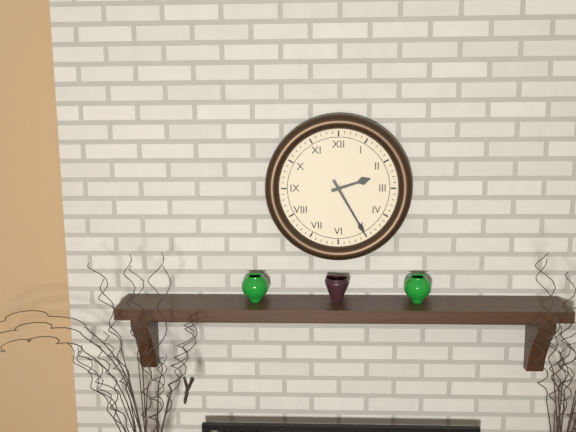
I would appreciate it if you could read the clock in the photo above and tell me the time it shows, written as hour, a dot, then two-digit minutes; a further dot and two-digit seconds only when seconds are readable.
2.25
